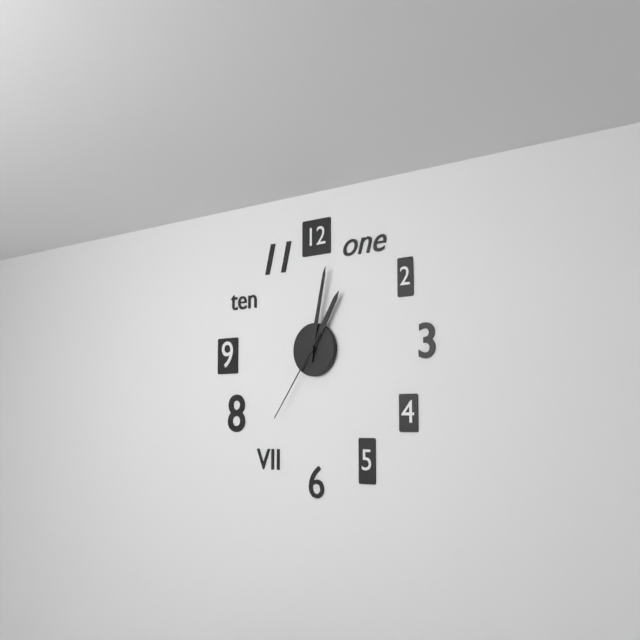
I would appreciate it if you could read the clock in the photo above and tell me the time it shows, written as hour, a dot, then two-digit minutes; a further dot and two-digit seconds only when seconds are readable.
1.02.36
